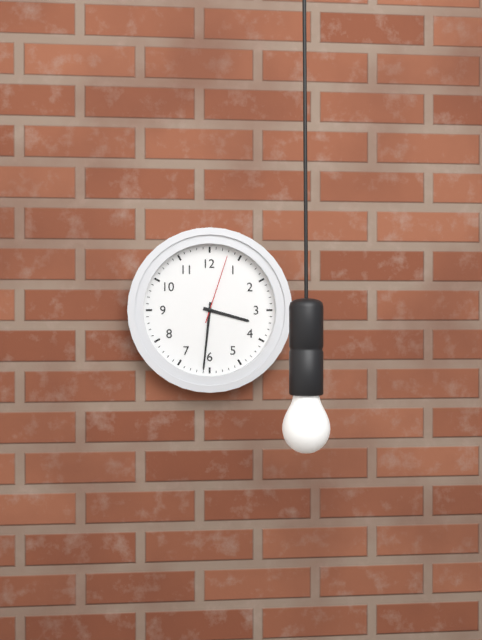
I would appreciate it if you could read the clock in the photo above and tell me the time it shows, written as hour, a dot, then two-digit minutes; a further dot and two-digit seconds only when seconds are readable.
3.31.03
